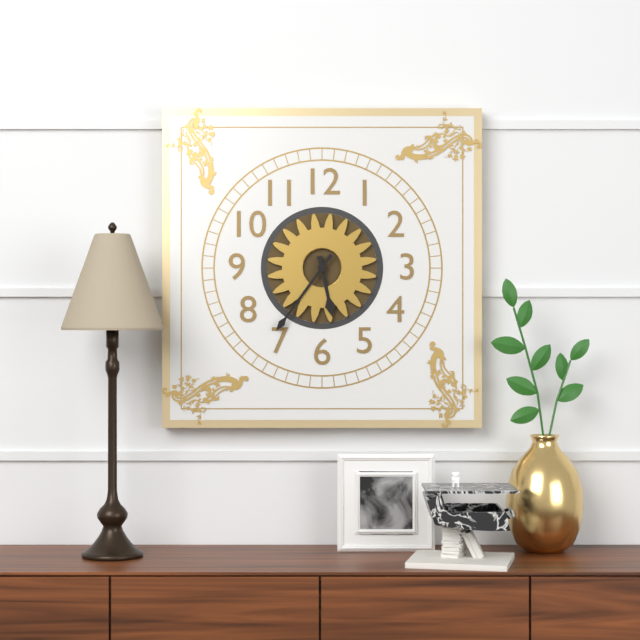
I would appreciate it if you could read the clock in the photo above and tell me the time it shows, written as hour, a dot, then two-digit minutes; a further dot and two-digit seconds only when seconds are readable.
5.36
